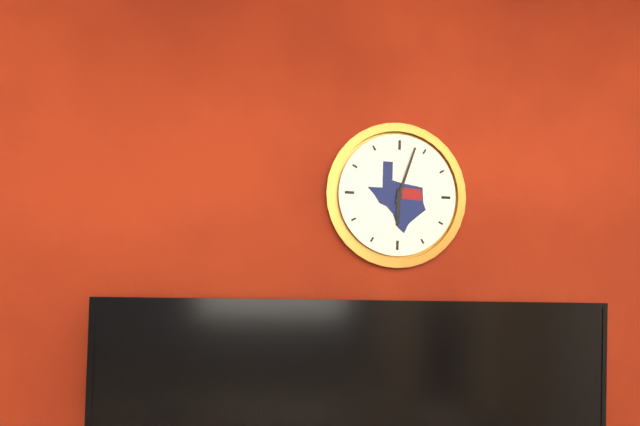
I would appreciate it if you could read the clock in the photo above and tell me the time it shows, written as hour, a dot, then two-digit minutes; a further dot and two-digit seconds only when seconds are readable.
6.03
